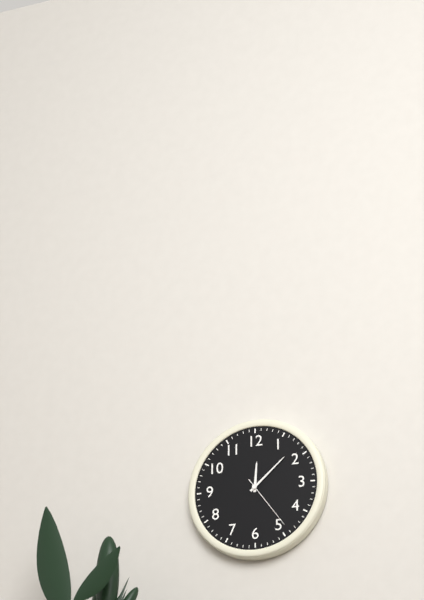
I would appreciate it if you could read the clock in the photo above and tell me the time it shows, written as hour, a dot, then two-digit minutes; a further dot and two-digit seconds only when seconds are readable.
12.08.24
